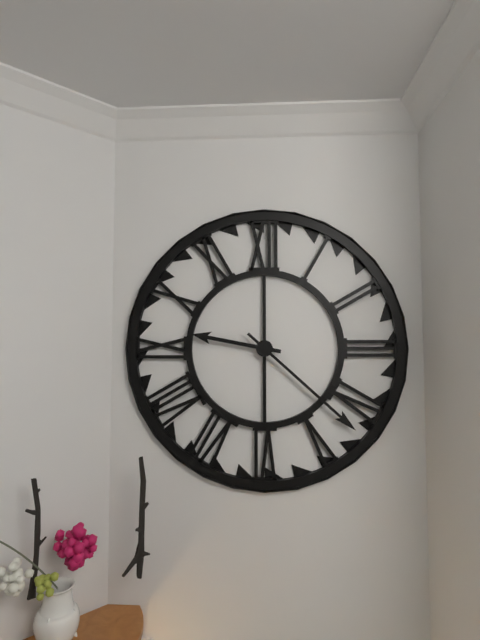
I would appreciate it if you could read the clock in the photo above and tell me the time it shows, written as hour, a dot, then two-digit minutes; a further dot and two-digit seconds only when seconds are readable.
9.22
